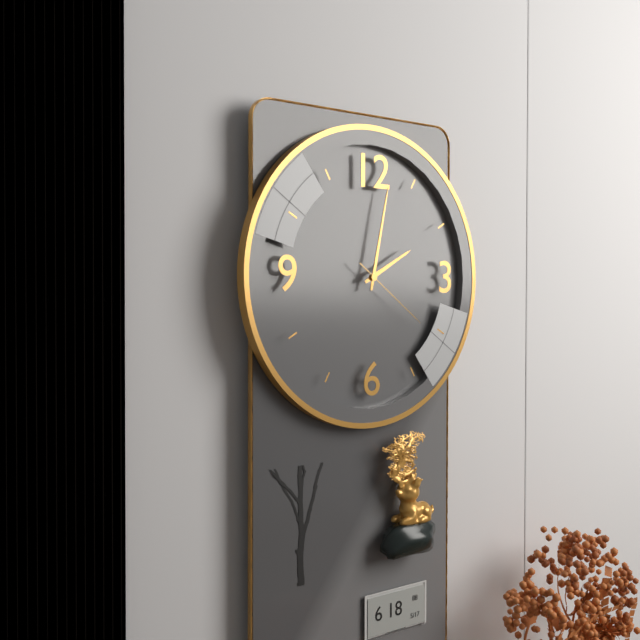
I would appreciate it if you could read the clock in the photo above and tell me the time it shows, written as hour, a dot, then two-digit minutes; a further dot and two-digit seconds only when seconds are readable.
2.02.21
